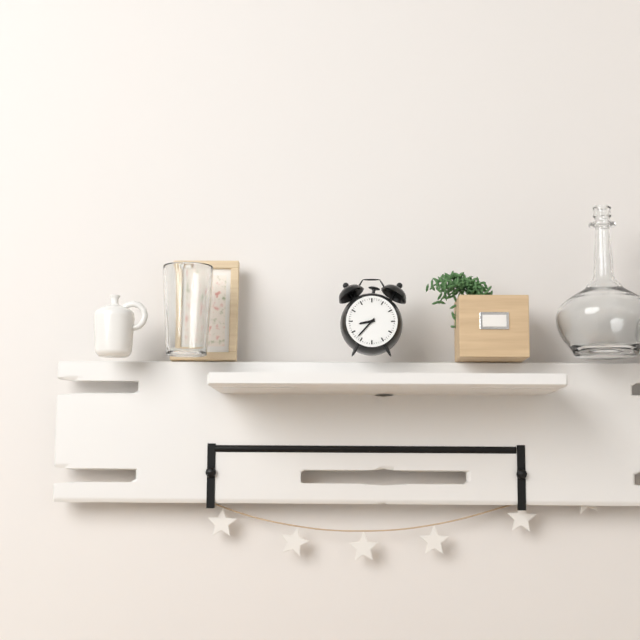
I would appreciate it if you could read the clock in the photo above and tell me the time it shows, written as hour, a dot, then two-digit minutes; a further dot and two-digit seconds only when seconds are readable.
8.37
